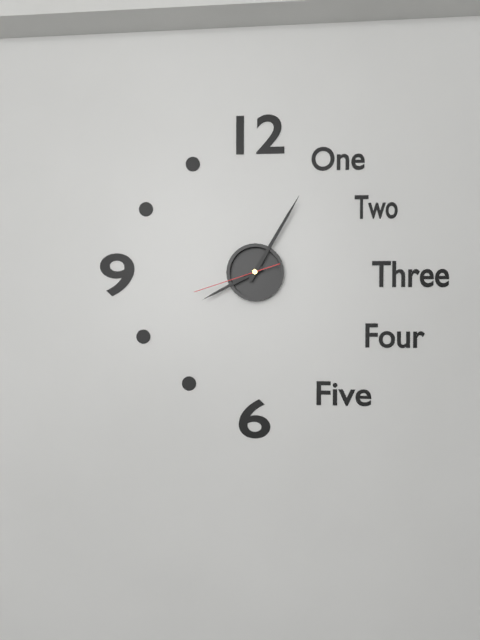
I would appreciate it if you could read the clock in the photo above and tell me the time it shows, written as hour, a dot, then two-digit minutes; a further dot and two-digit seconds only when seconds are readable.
8.05.42
